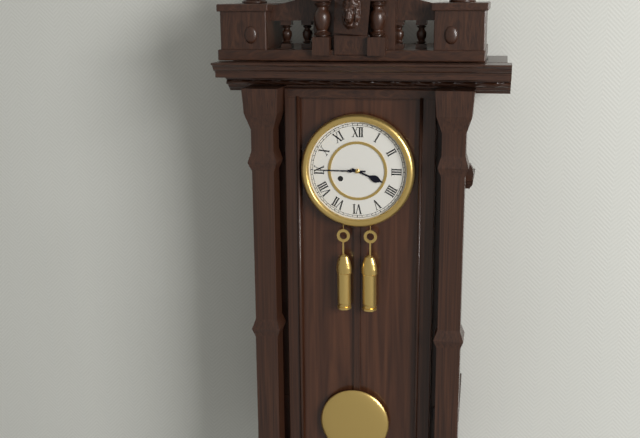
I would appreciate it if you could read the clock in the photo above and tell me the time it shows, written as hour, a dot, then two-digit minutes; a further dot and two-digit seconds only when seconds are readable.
3.45
